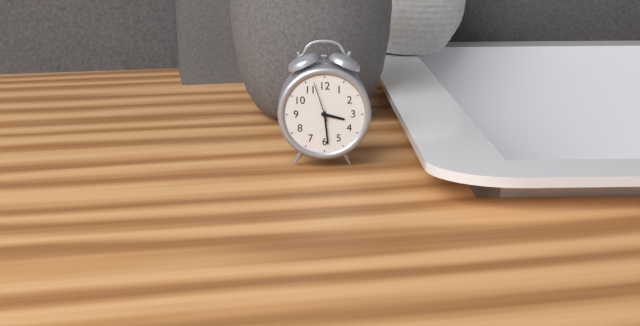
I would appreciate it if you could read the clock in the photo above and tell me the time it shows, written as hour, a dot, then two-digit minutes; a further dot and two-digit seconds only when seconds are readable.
3.29
